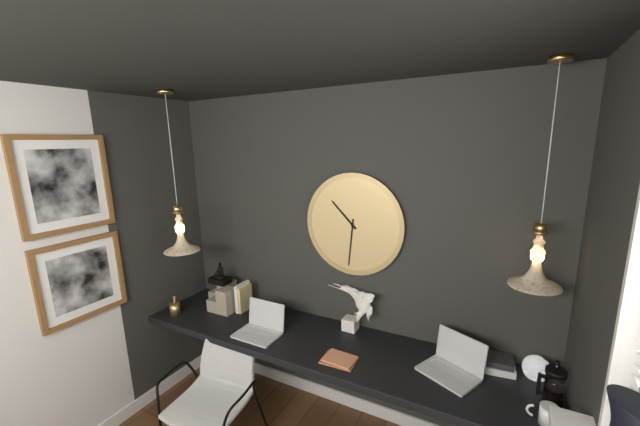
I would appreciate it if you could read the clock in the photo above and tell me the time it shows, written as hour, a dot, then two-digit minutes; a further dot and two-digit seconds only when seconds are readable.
10.31
